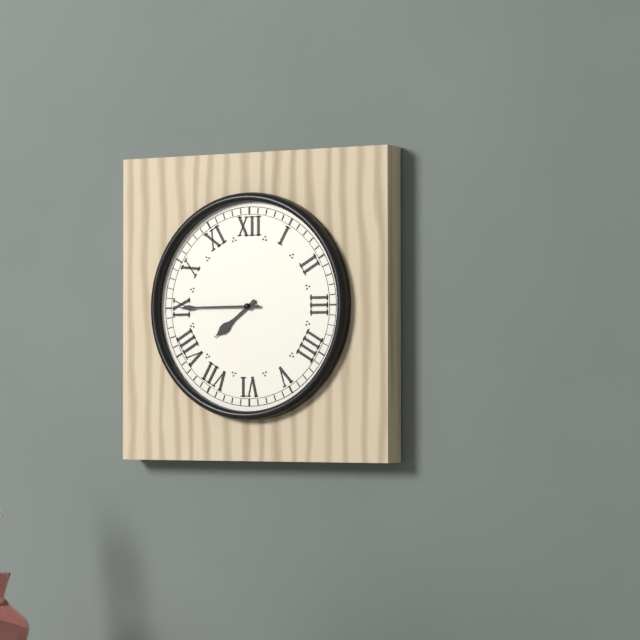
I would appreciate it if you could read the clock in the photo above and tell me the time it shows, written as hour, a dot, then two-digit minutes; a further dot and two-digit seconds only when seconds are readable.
7.45
